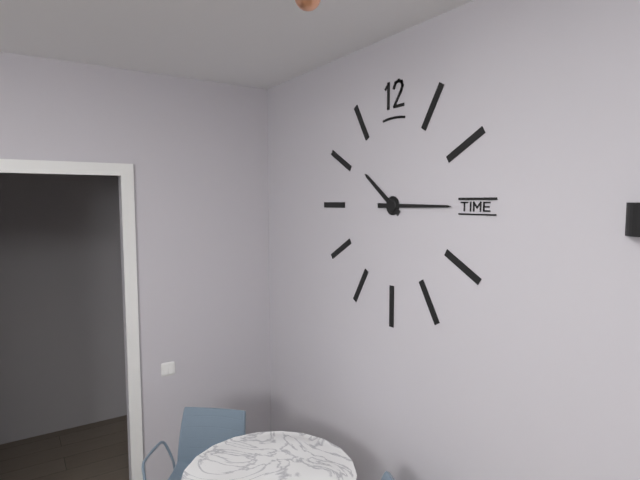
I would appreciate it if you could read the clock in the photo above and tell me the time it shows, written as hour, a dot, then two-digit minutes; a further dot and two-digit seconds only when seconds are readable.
10.15
